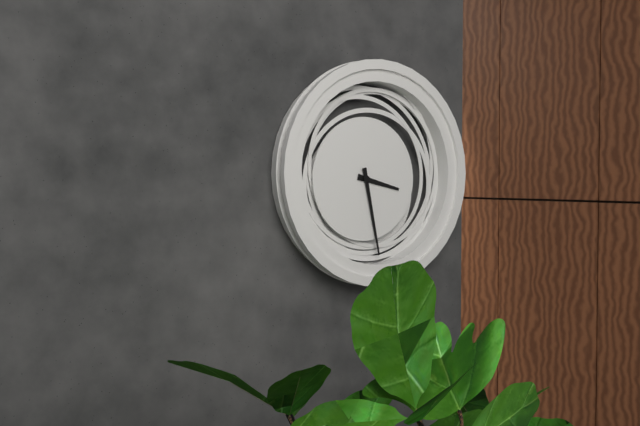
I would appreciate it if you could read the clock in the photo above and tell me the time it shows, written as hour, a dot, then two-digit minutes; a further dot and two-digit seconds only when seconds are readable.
3.28
